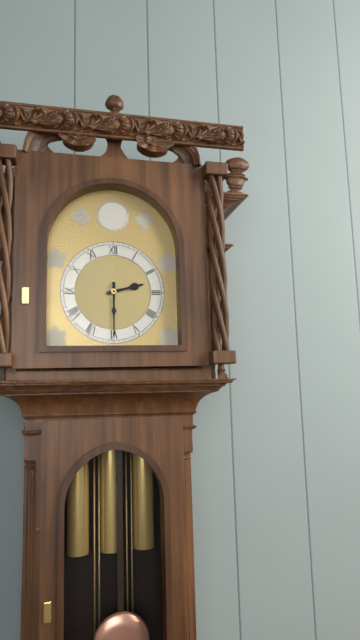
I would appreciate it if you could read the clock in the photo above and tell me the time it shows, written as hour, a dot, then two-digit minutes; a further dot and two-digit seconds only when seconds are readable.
2.30
